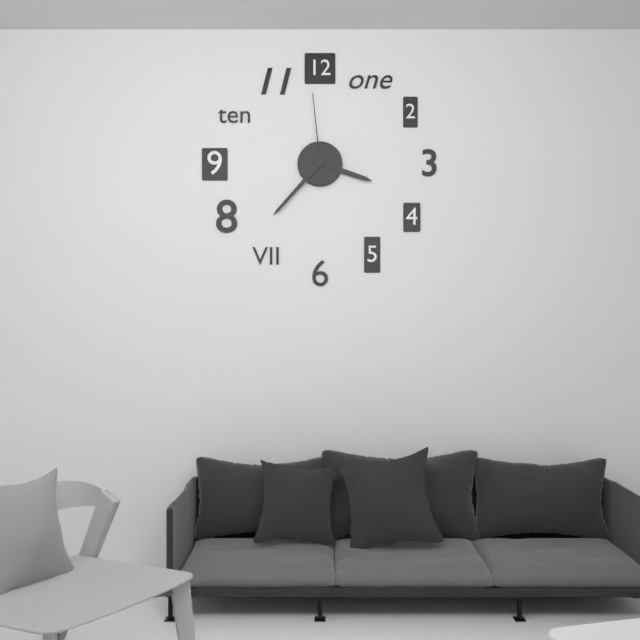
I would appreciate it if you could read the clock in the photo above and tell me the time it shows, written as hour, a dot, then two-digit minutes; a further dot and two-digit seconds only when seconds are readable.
3.37.59
